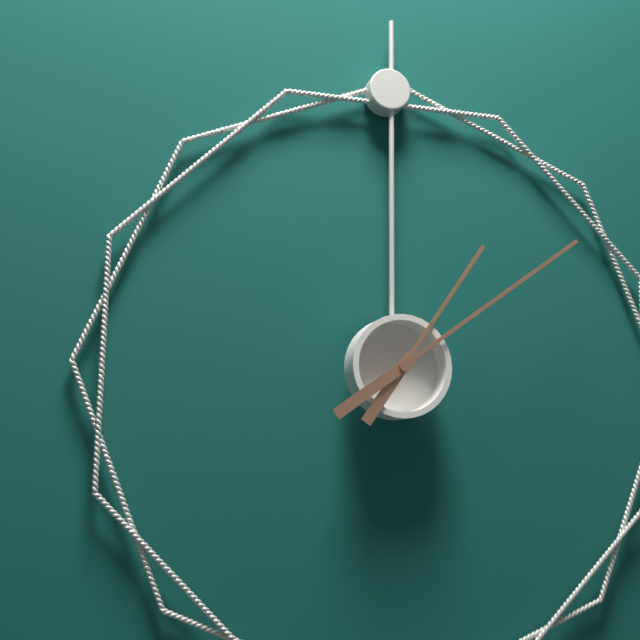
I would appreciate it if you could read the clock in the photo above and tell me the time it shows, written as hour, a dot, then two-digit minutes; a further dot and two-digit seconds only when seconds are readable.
1.09
